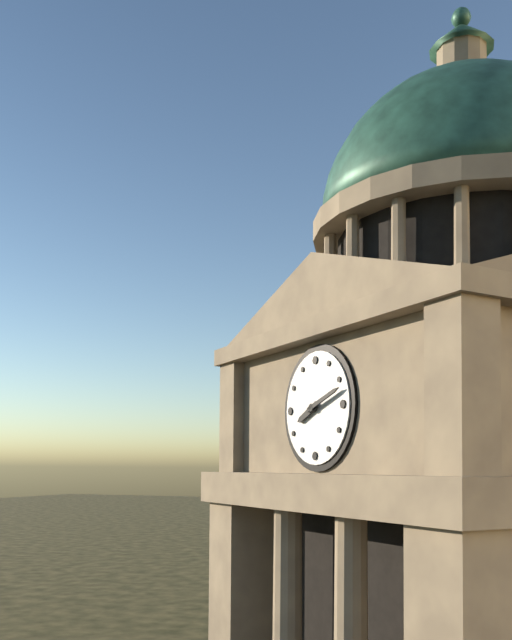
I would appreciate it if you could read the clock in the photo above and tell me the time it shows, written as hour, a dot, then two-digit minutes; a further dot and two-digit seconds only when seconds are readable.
8.12
